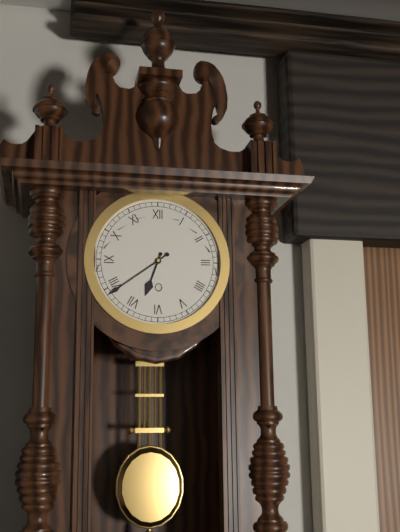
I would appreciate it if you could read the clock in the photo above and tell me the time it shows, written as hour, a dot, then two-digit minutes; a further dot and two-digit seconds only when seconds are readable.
6.39
